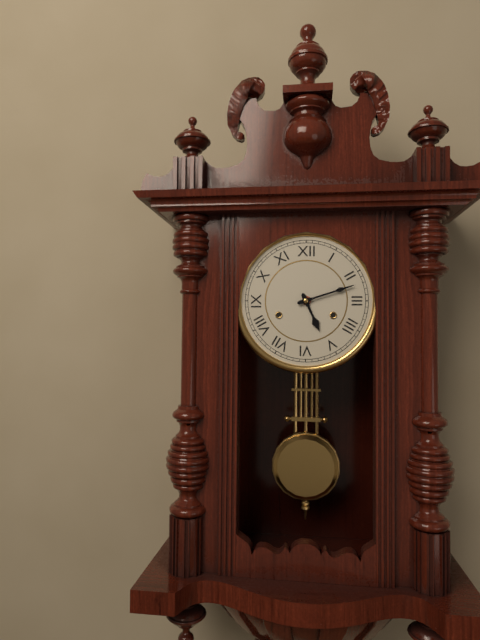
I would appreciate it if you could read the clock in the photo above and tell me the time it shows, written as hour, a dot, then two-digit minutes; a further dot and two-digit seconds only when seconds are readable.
5.12
